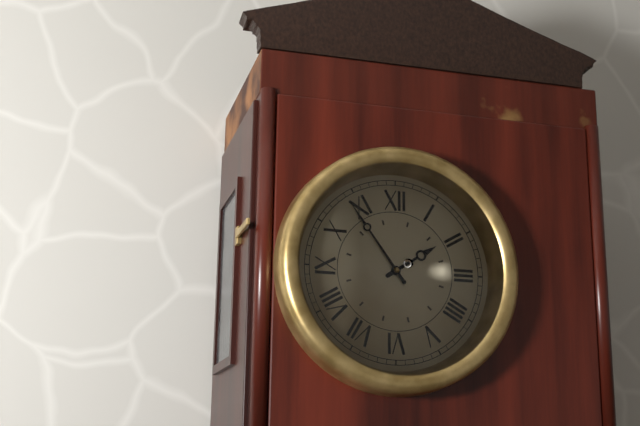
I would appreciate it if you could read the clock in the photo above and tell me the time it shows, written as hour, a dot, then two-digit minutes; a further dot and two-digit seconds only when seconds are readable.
1.54
